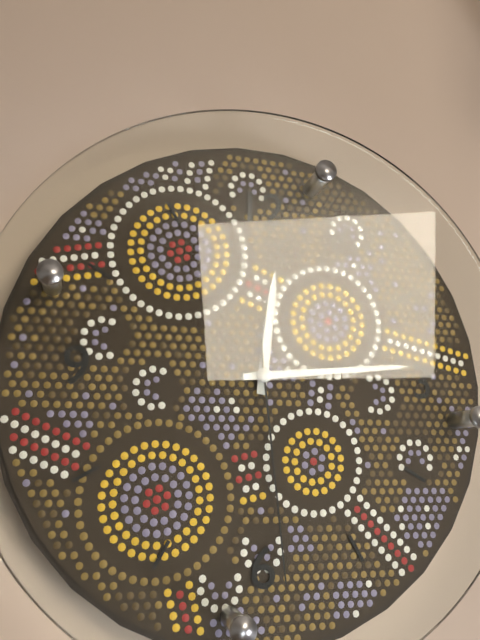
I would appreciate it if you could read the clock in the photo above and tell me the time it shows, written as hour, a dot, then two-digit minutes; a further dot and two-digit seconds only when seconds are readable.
12.14.29
